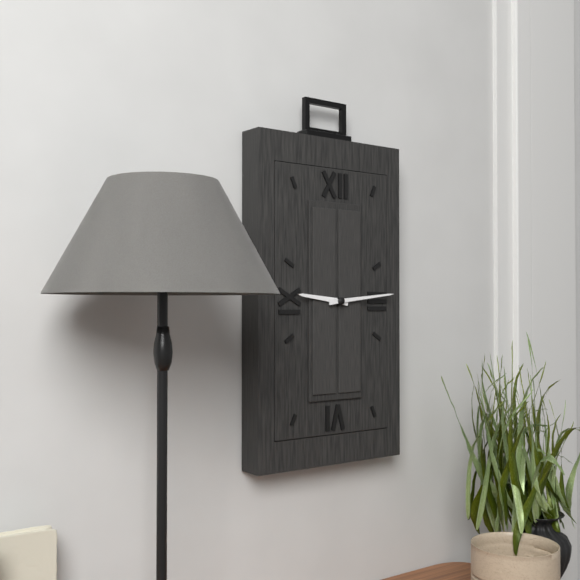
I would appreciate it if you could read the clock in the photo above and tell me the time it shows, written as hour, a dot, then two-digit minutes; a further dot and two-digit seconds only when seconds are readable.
9.14
